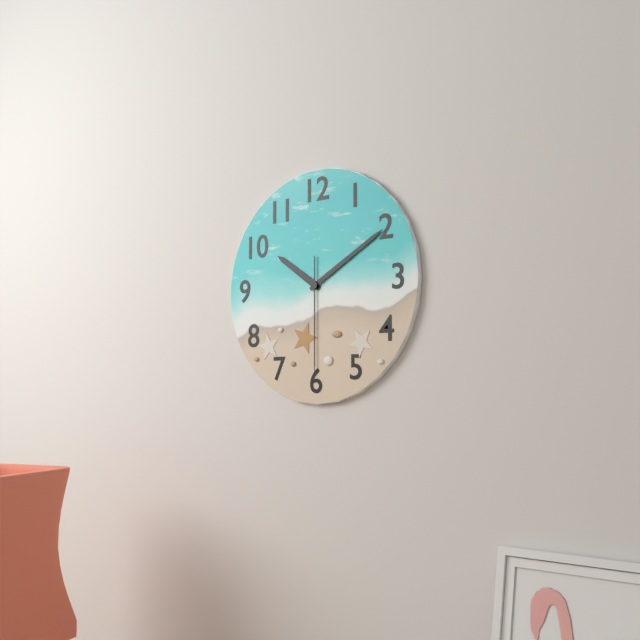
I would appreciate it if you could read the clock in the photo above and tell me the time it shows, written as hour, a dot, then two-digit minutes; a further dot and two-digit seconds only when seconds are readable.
10.10.30
